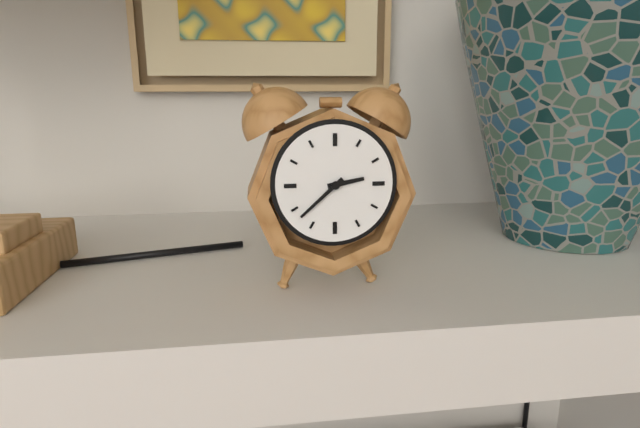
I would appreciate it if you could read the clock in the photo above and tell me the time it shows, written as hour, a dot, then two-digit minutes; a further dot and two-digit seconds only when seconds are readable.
2.38
